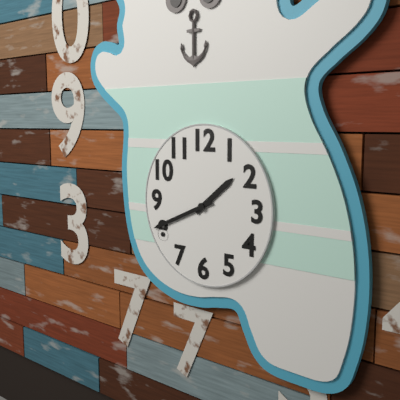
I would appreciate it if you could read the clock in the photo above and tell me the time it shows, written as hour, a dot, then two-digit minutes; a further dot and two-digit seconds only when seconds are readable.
1.41
